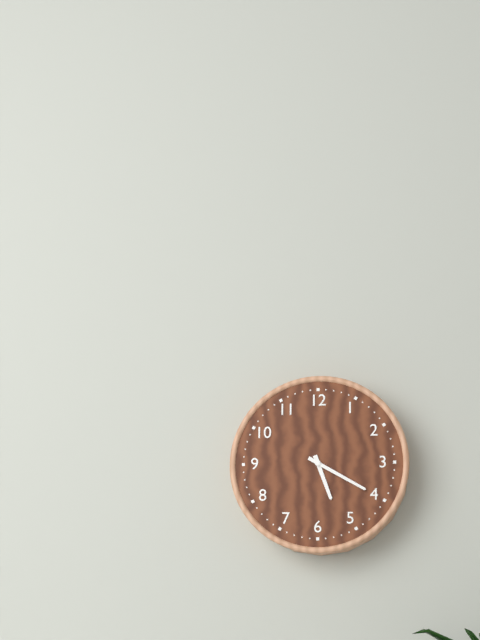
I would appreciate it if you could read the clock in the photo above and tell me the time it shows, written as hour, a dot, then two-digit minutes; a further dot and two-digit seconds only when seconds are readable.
5.20
